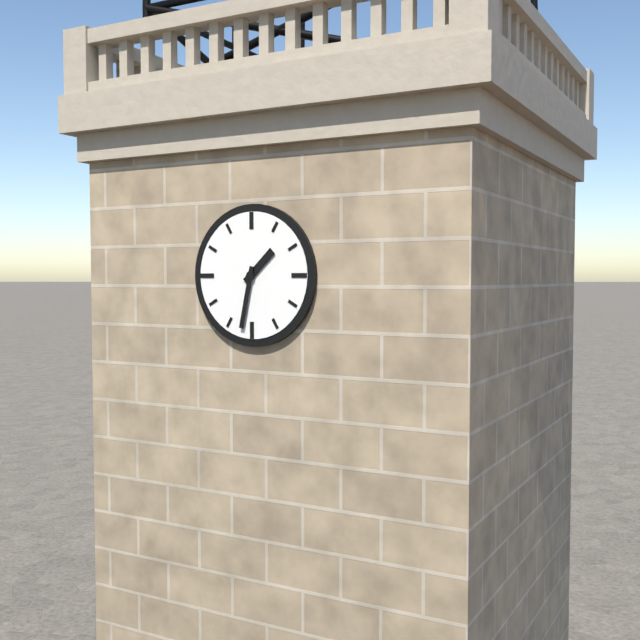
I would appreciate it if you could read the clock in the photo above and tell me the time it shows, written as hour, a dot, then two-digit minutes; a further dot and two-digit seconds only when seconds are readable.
1.32
